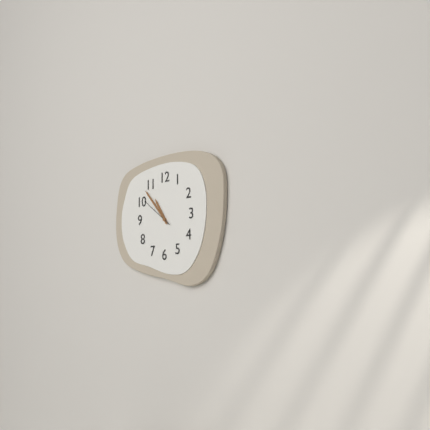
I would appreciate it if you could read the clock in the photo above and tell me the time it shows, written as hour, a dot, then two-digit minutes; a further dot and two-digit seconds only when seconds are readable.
10.53
